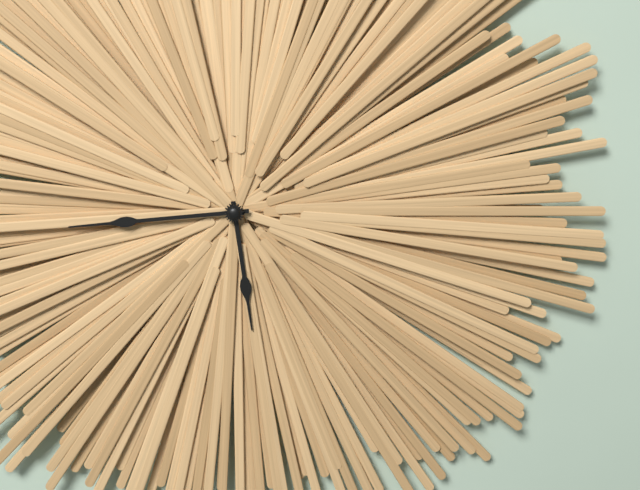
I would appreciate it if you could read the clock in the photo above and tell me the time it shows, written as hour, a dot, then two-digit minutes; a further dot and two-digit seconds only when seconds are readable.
5.44
